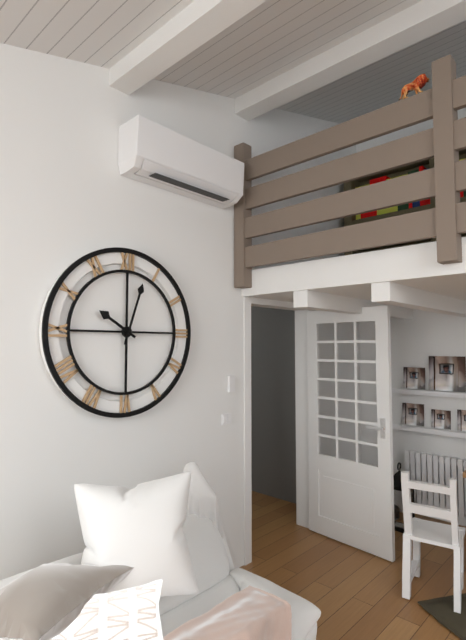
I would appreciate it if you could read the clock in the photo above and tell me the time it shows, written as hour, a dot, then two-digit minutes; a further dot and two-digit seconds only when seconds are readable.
10.03
